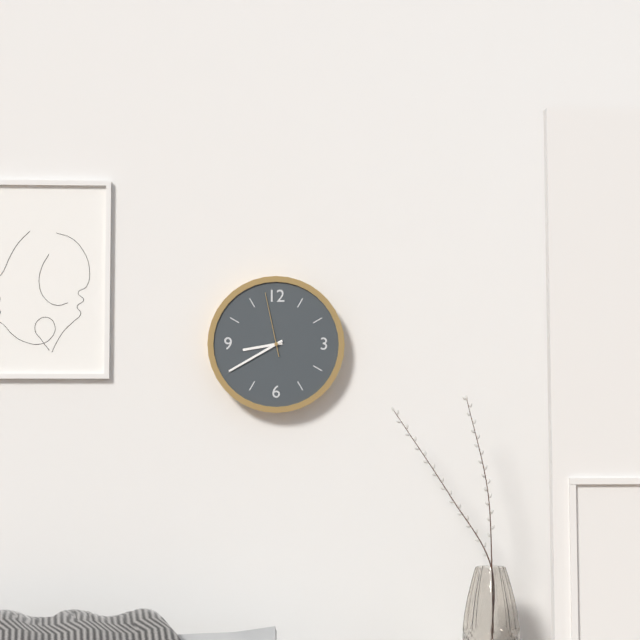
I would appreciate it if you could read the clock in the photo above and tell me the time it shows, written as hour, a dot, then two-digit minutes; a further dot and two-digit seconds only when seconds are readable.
8.40.58
